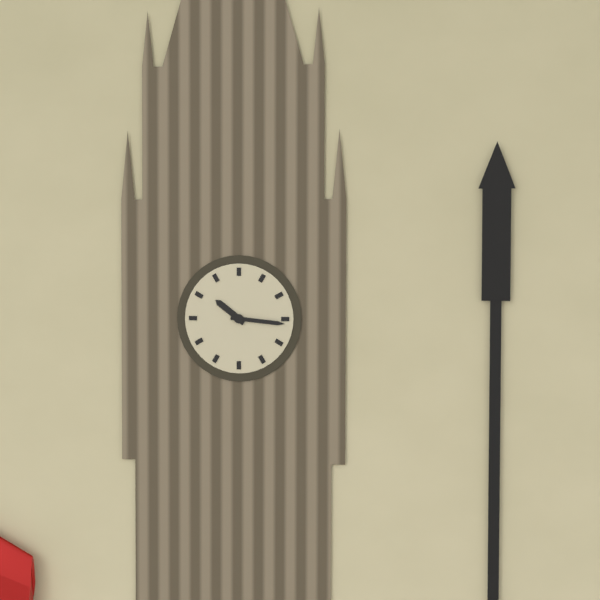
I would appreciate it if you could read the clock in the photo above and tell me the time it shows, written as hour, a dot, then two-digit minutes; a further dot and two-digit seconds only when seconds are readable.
10.16
